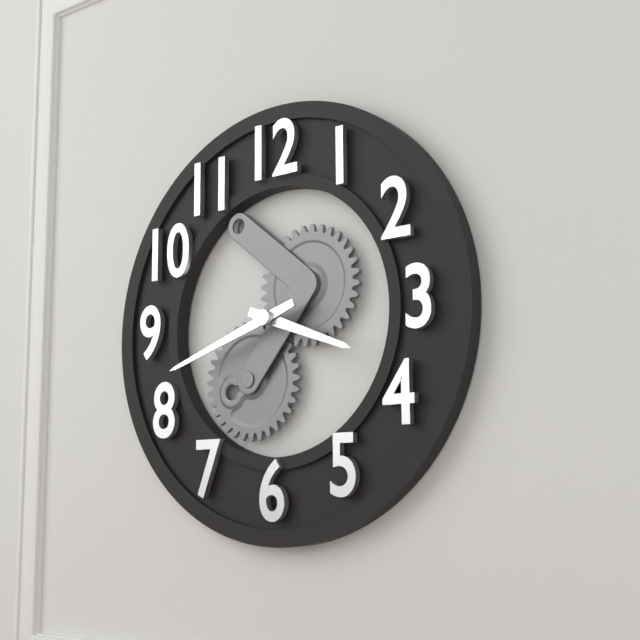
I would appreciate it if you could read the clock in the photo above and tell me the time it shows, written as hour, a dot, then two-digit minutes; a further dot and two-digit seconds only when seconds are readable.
3.42
